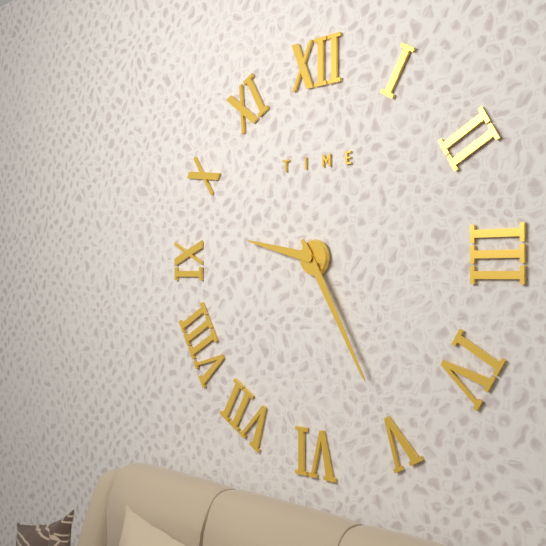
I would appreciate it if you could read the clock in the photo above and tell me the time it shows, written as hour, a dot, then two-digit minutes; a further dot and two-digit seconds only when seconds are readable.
9.25
